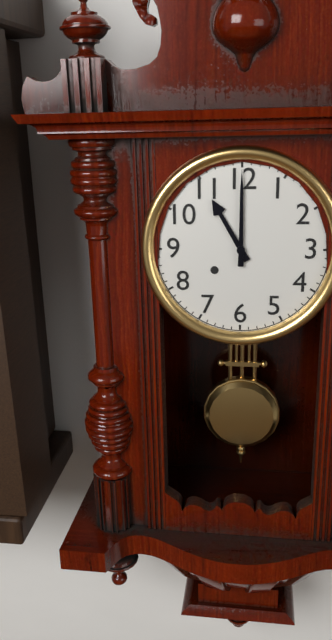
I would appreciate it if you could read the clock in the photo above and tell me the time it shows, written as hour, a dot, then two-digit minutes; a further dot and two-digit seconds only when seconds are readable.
11.00
